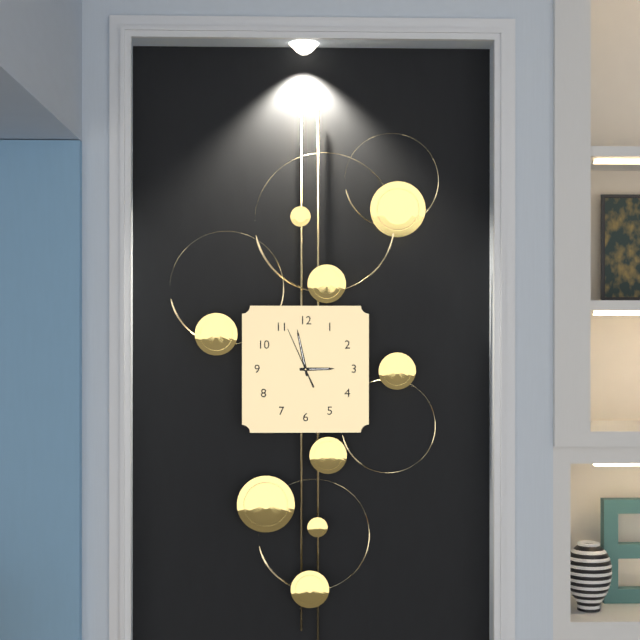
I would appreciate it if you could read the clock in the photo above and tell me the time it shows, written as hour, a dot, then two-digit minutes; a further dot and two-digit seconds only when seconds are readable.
2.58.56
